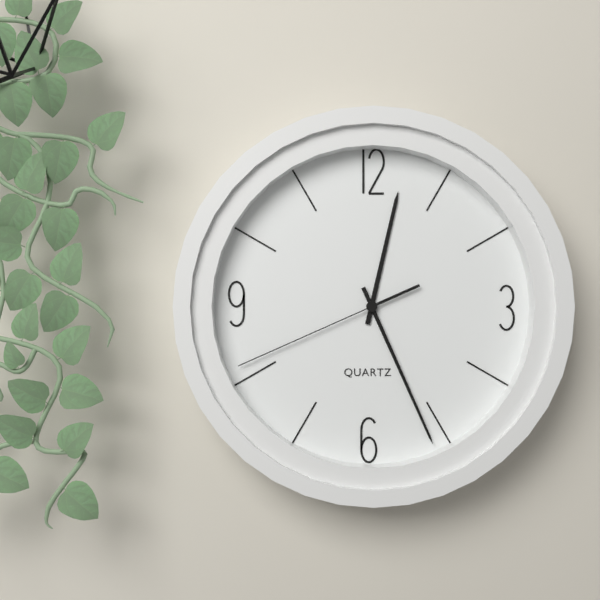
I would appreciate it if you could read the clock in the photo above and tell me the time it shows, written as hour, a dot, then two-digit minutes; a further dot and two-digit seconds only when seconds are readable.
12.26.41
